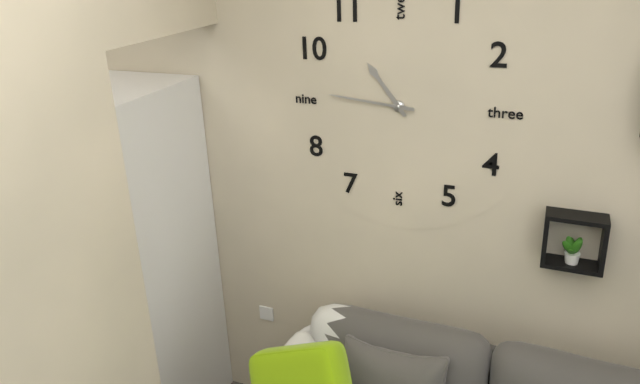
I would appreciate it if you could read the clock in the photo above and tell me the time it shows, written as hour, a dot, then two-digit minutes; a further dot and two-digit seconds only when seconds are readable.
10.46
